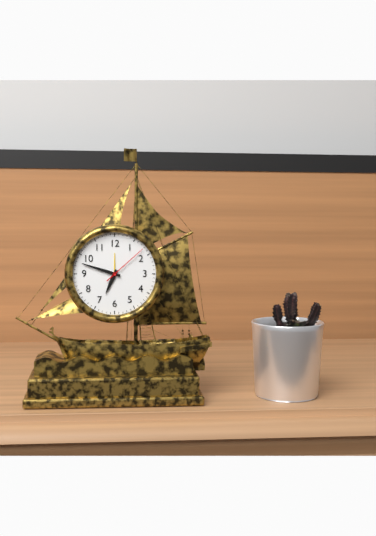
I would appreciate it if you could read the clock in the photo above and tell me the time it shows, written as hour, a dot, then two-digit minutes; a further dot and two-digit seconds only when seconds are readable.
6.48
